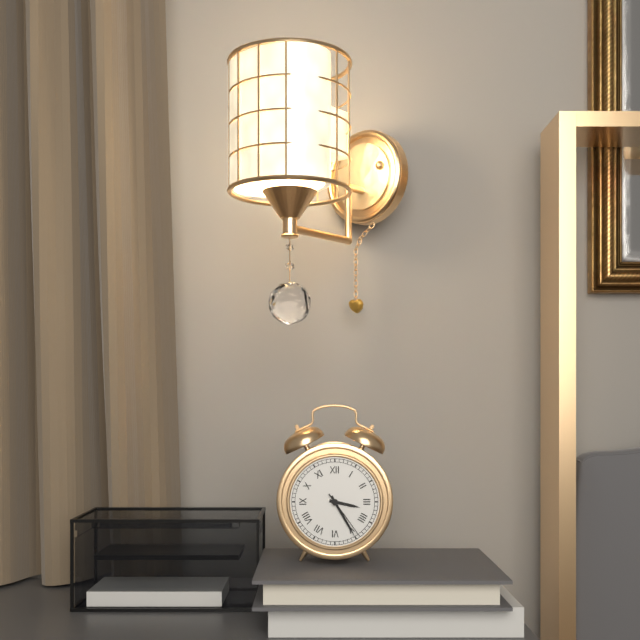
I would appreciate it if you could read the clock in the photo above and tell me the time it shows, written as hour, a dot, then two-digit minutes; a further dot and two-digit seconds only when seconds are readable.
3.25.24
